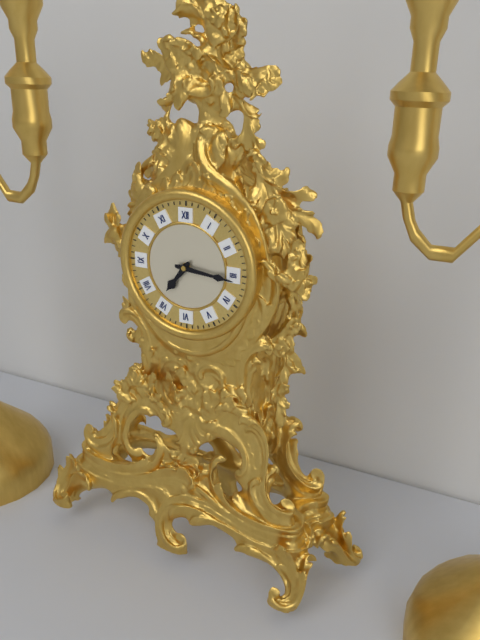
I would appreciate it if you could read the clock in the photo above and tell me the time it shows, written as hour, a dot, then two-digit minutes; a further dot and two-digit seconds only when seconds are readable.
7.16
